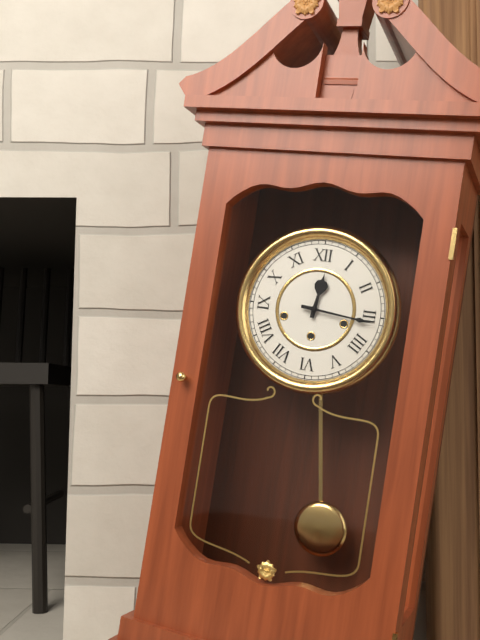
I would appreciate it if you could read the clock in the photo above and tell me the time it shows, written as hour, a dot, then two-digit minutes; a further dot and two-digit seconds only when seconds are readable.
12.16
